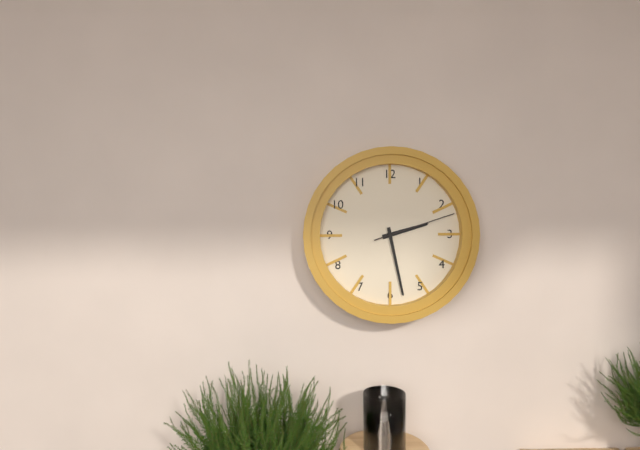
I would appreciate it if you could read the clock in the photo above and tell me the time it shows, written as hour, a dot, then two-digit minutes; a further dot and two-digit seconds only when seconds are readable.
2.28.12
